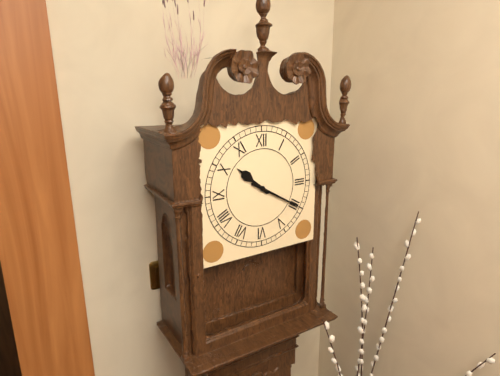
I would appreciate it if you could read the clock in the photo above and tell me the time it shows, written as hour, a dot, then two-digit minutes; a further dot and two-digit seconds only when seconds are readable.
10.20
